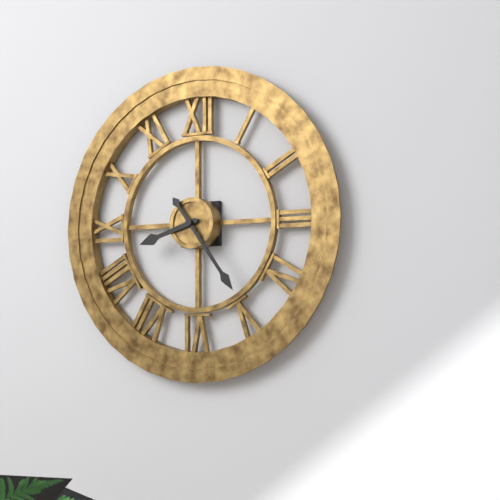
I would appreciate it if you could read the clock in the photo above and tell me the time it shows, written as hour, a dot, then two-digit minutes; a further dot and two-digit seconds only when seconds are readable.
8.24
